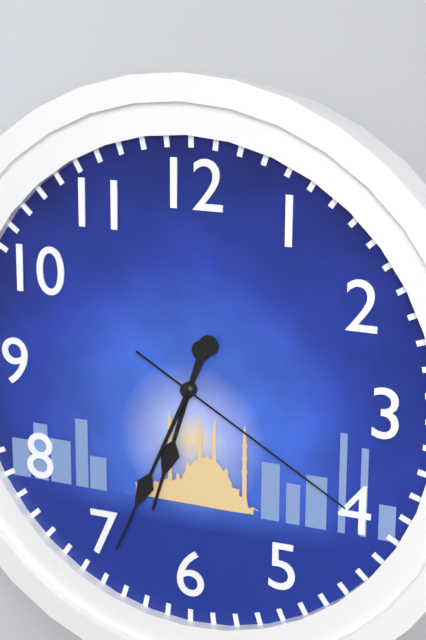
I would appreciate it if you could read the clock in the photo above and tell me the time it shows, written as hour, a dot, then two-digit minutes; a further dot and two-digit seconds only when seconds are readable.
6.34.20
